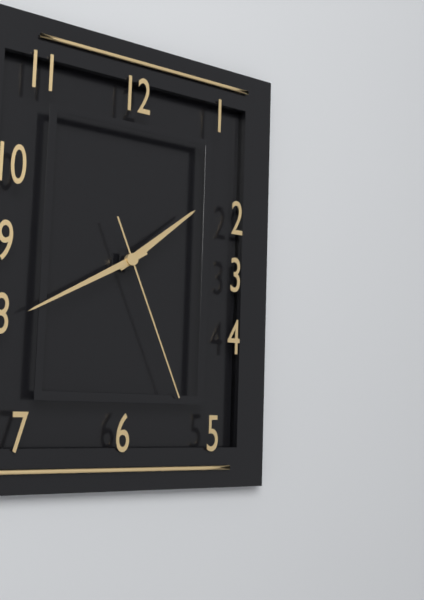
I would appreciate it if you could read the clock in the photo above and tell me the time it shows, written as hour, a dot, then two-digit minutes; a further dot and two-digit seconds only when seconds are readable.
1.40.26
